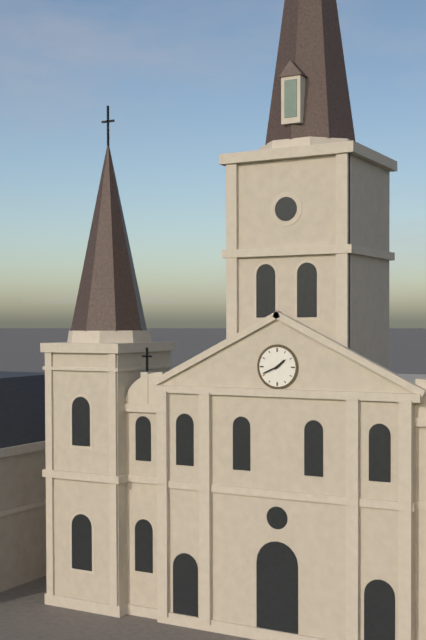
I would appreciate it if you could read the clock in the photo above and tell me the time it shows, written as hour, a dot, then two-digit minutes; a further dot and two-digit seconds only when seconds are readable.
1.41
